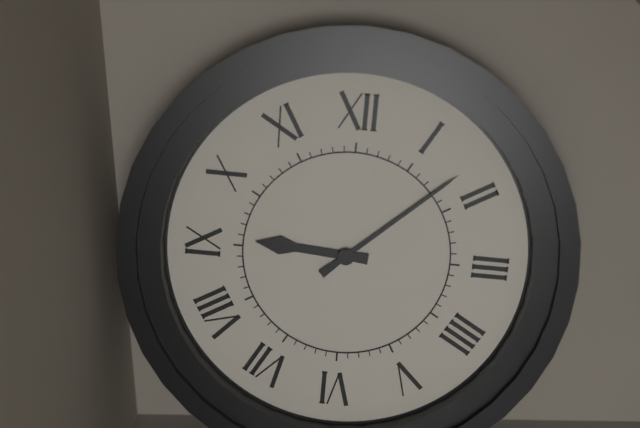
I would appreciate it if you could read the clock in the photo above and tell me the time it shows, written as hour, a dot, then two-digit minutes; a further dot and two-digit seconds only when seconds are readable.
9.08
